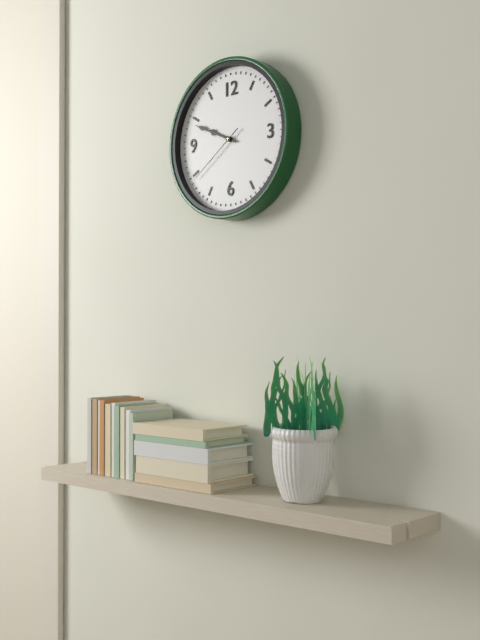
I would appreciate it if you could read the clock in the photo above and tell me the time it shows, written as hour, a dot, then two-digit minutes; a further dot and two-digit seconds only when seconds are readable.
9.49.39
